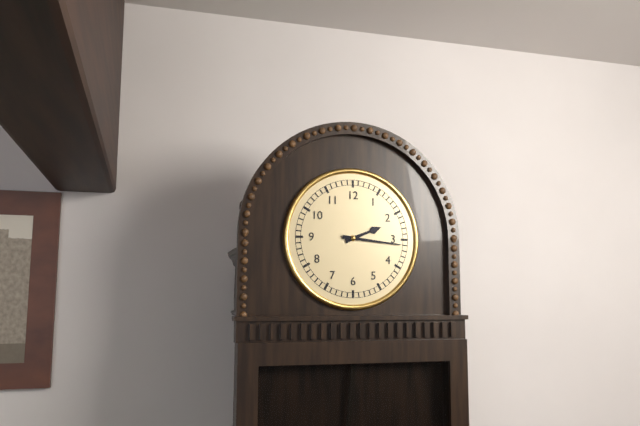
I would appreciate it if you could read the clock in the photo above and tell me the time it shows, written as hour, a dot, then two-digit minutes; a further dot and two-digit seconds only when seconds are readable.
2.16
